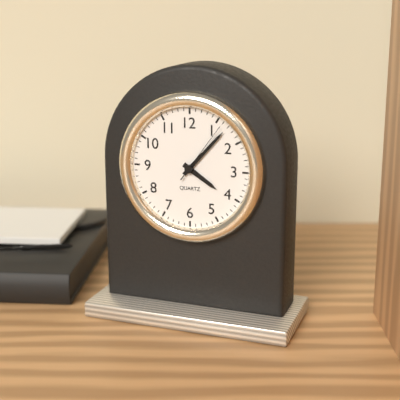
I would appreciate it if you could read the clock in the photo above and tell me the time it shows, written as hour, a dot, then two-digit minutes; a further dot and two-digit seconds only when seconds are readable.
4.07.06
